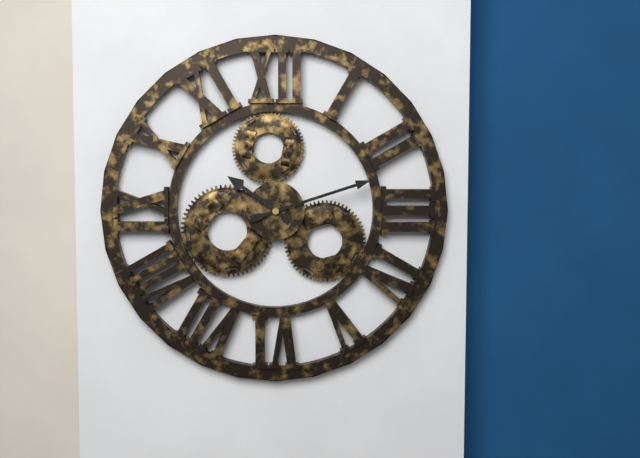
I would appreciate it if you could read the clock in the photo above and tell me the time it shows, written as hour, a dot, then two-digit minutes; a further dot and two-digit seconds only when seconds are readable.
10.12
